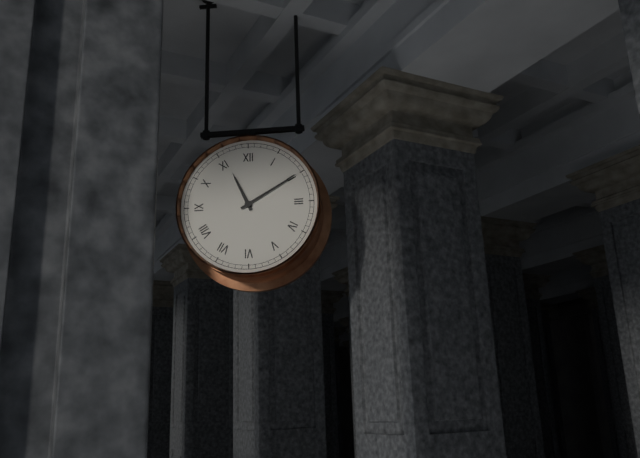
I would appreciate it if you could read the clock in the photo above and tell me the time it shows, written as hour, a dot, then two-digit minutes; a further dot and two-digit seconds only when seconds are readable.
11.10
